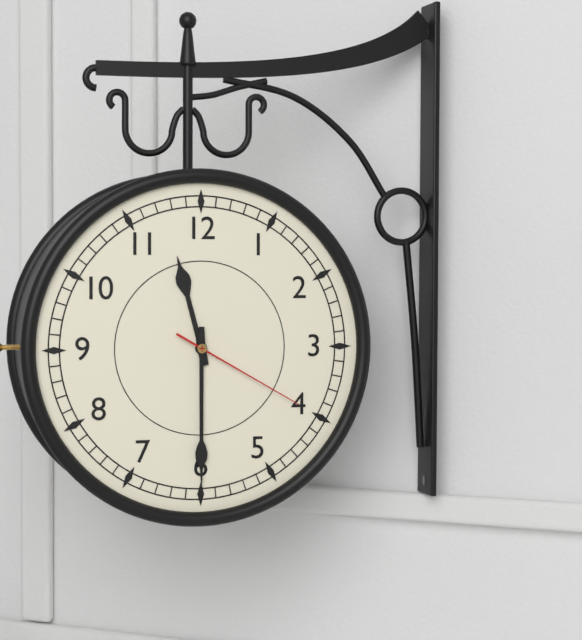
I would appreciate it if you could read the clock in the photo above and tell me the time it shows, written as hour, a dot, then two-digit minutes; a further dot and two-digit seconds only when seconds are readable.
11.30.20
